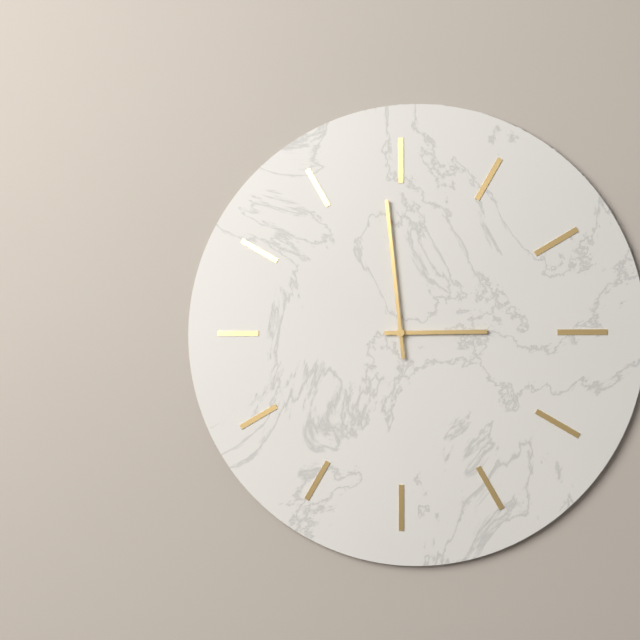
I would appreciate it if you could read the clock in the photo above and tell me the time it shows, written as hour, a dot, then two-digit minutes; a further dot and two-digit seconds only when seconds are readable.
2.59
